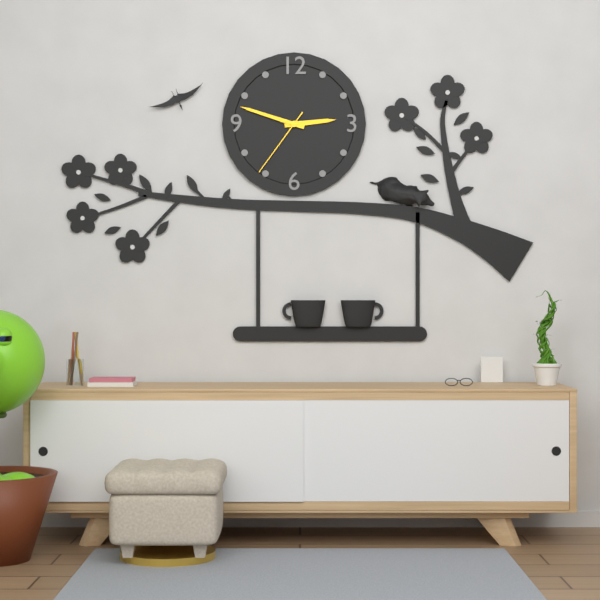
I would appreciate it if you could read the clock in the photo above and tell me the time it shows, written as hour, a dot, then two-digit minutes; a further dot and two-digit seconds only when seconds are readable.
2.48.36
